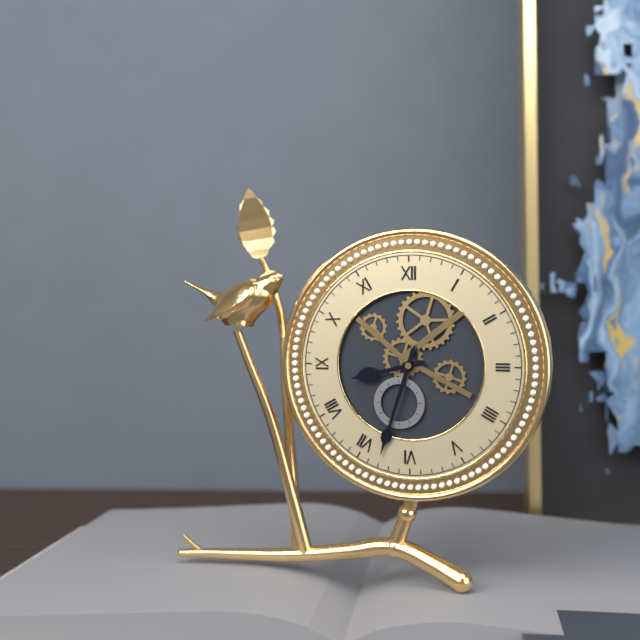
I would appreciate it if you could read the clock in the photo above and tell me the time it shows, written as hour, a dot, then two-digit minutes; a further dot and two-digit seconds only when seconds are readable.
8.33
